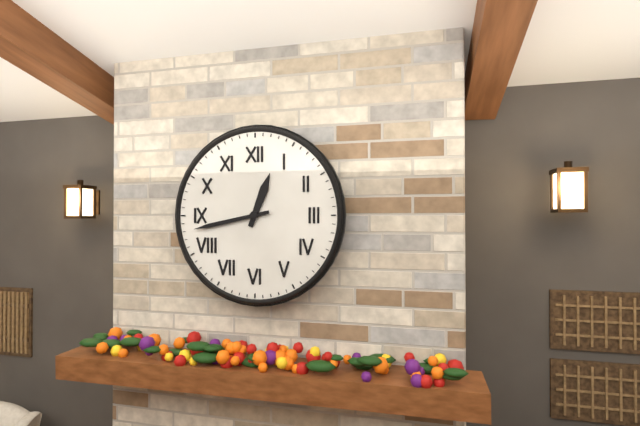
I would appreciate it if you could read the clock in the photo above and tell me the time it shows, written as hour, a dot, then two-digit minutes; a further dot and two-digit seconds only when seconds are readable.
12.43
